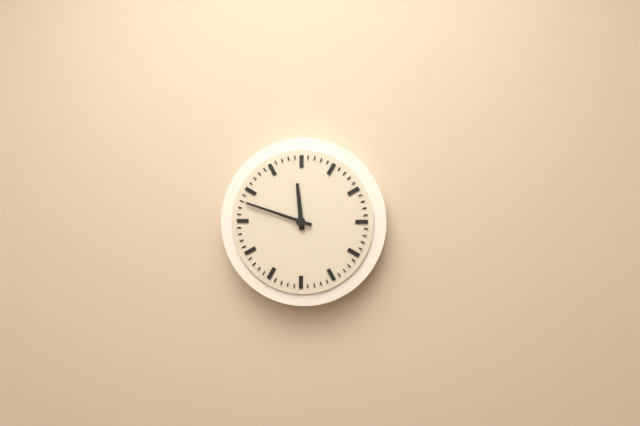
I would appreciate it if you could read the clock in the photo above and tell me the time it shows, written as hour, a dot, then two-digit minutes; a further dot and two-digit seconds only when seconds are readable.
11.48
